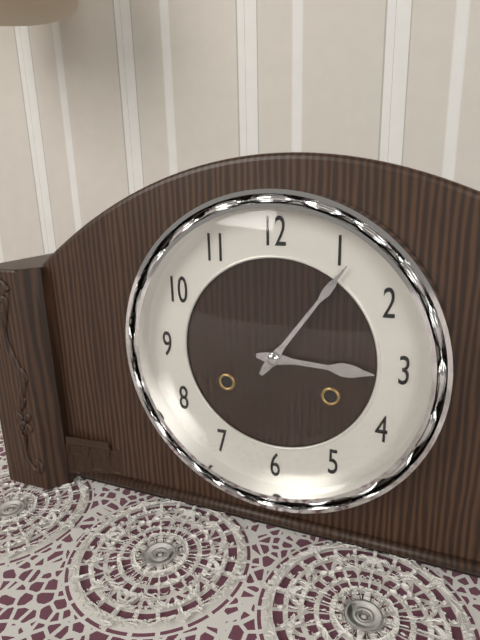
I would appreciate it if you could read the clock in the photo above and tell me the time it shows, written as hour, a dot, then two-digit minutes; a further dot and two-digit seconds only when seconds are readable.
3.06
